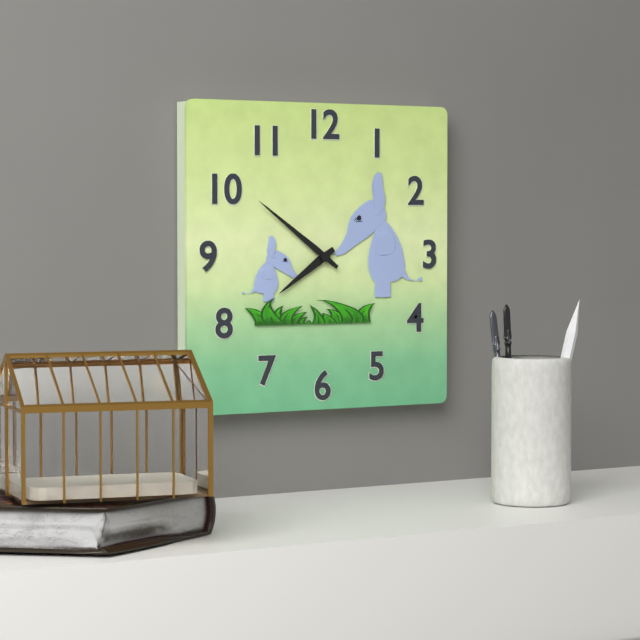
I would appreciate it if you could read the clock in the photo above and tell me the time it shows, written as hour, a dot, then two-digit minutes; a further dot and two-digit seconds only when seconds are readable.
7.51
